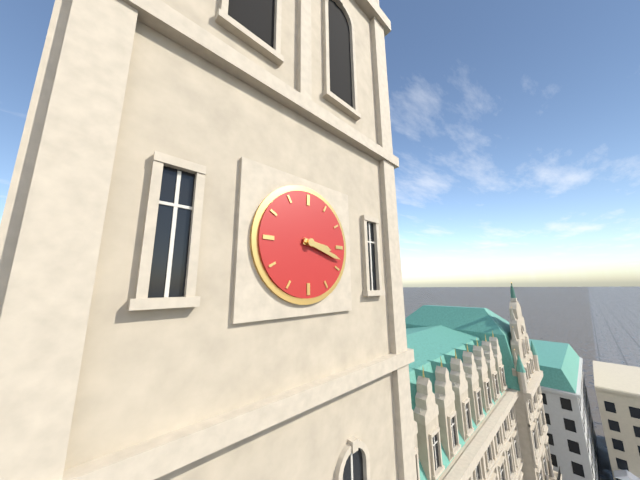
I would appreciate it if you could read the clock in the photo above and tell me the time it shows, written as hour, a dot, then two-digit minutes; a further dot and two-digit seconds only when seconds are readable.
3.18
